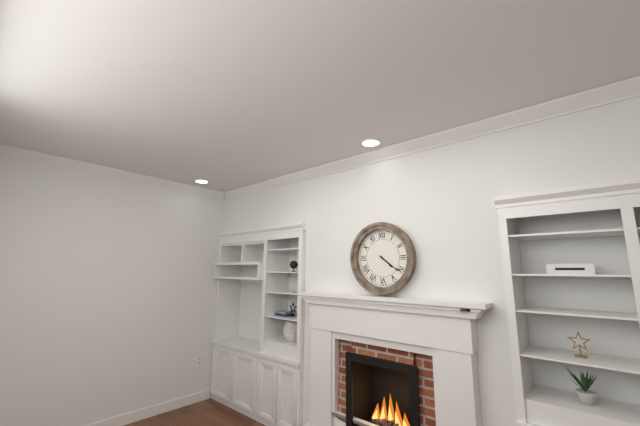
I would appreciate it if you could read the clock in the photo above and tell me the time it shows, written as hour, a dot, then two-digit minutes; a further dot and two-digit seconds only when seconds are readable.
4.21
